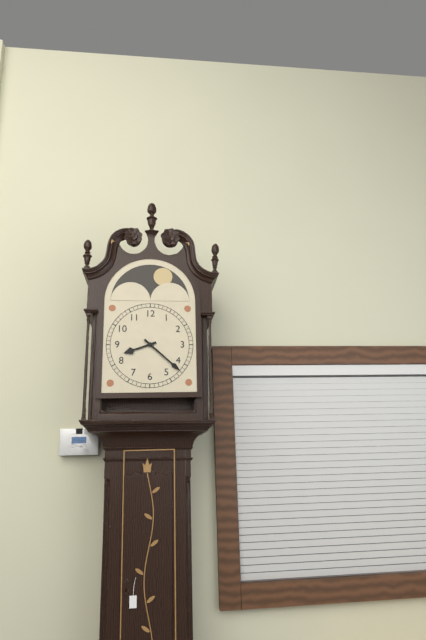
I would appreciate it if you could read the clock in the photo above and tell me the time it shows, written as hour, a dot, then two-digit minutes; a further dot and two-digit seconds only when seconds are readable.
8.22
